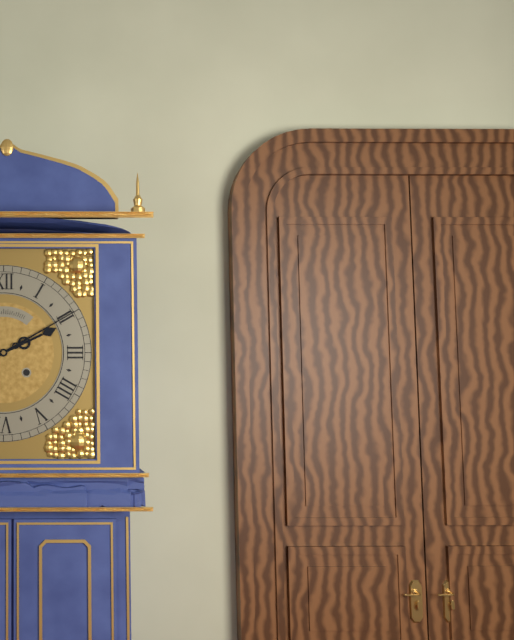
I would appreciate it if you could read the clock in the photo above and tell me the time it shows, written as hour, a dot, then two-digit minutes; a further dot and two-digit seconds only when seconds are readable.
2.10
